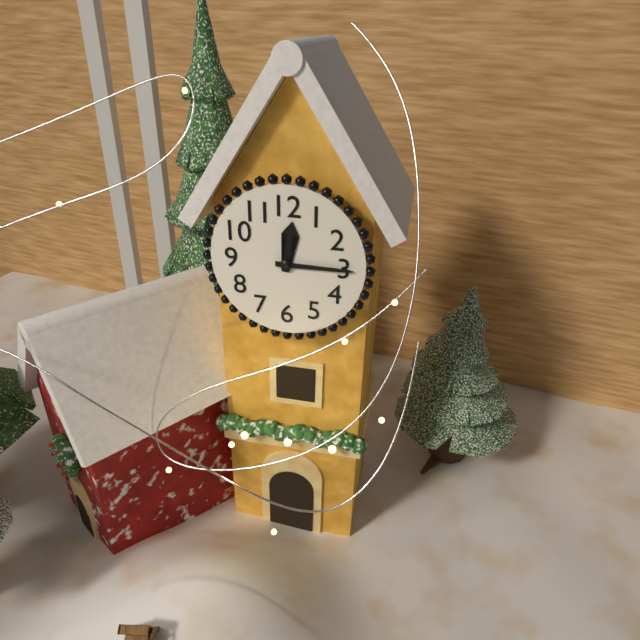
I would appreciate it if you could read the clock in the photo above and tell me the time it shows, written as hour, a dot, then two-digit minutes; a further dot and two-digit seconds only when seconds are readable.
12.15
